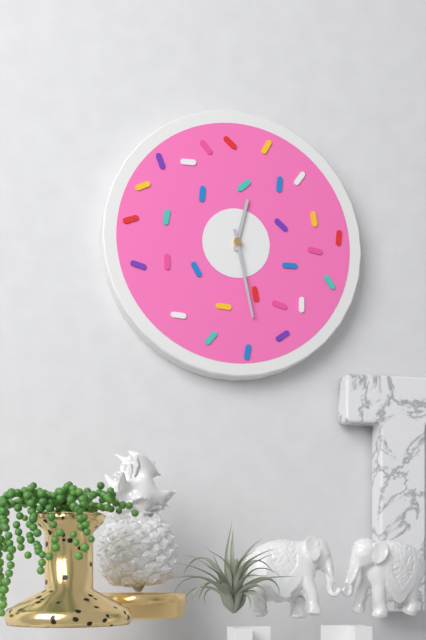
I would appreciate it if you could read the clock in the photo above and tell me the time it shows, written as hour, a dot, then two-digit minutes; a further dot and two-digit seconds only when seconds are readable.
12.28
